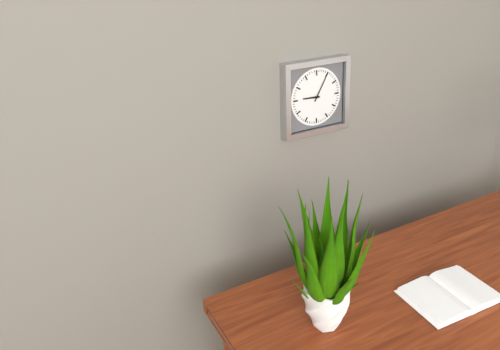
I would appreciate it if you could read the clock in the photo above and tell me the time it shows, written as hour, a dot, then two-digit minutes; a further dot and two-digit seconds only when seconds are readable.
9.05
